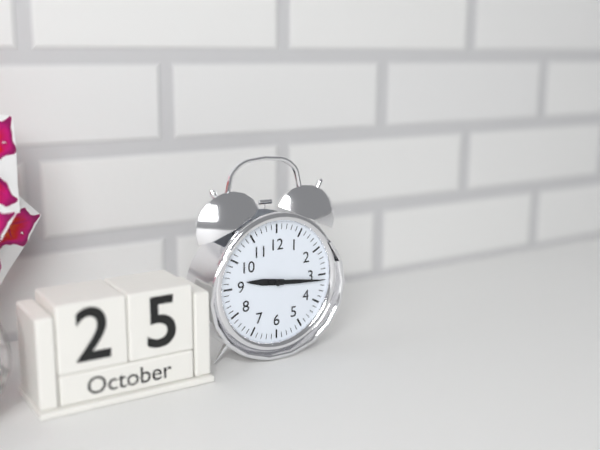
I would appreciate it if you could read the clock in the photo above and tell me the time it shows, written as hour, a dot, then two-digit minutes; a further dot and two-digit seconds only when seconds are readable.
9.16
